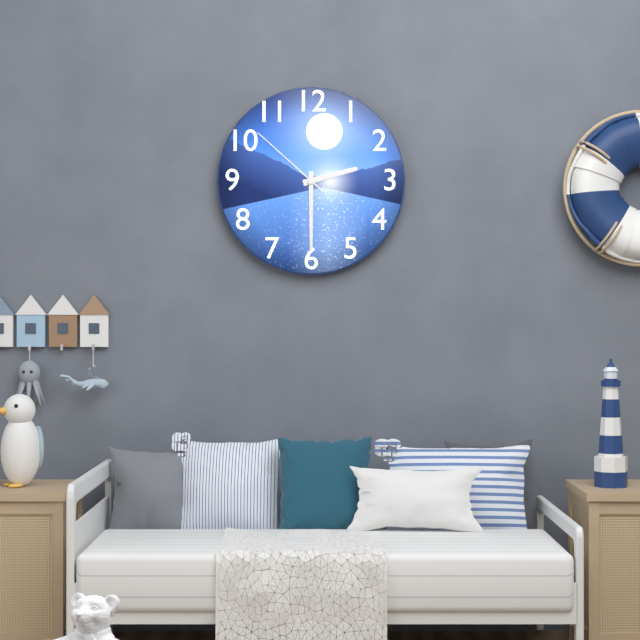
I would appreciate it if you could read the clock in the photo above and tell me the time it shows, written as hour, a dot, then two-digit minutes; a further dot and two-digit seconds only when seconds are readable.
2.30.52
